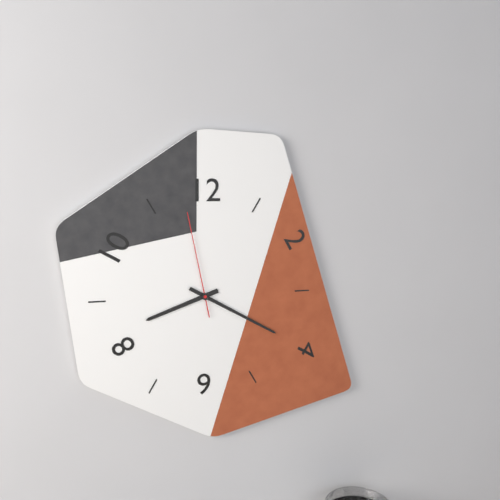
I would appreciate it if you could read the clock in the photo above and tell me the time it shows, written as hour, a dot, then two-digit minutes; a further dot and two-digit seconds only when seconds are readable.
8.20.58
